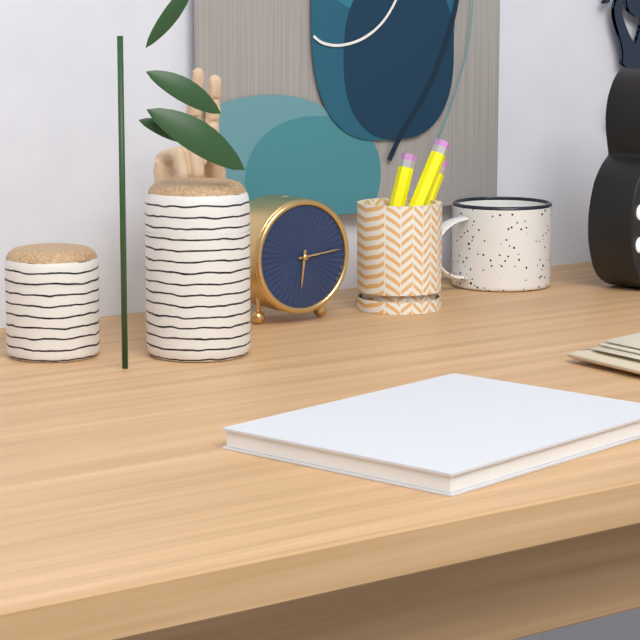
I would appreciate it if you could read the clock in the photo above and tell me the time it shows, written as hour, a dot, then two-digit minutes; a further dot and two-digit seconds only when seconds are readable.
6.14
